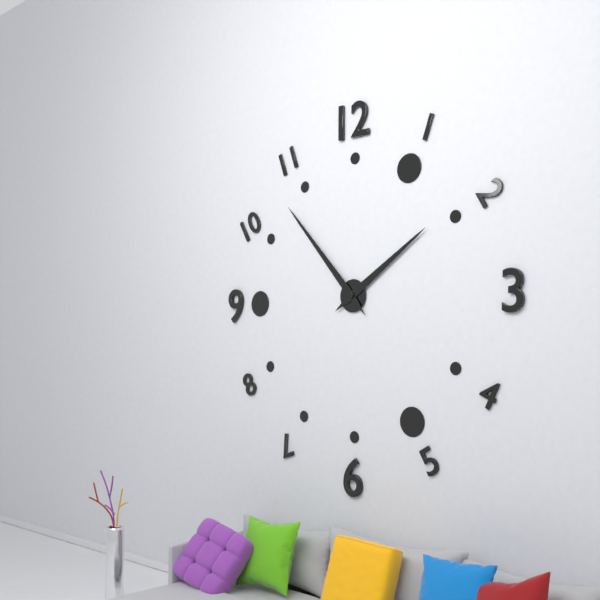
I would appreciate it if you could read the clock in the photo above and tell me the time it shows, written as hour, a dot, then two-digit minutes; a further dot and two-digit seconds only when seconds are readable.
1.53
